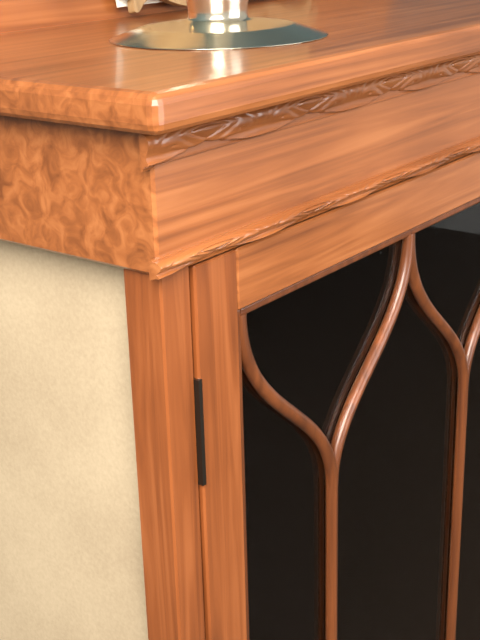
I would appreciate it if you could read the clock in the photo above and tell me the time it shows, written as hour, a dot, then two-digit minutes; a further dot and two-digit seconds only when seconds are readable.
1.57
